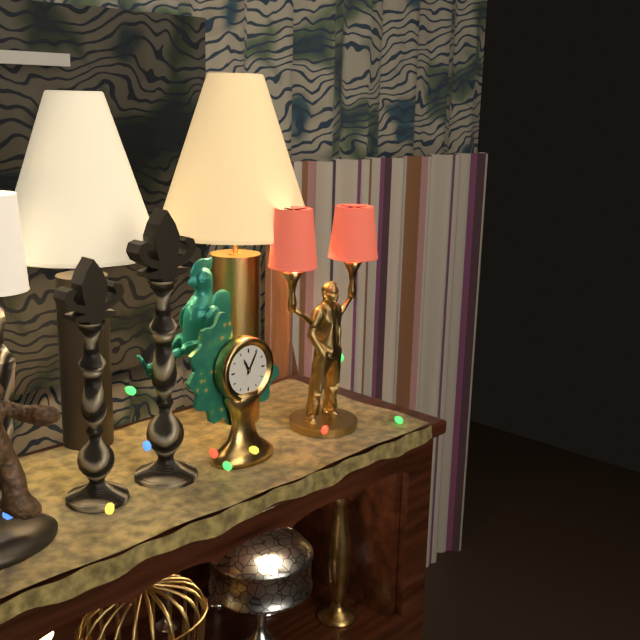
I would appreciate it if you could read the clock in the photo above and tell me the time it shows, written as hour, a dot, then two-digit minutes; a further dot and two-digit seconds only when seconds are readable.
11.05
